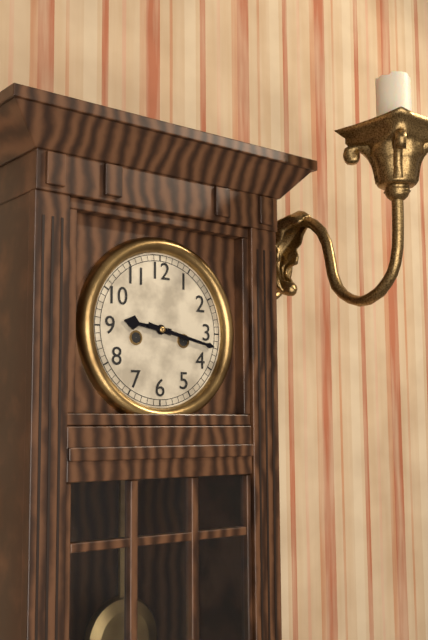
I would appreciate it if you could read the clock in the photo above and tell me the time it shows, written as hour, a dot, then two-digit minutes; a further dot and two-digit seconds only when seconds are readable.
9.17
